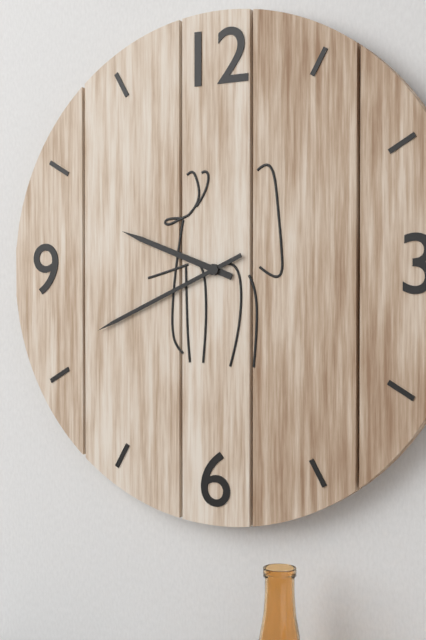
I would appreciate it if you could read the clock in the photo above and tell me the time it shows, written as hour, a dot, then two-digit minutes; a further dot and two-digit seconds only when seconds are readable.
9.41
